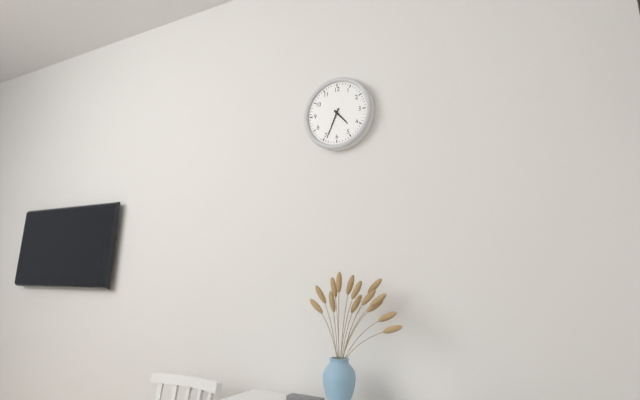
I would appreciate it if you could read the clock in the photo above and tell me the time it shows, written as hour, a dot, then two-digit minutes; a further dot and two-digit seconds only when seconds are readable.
4.34
